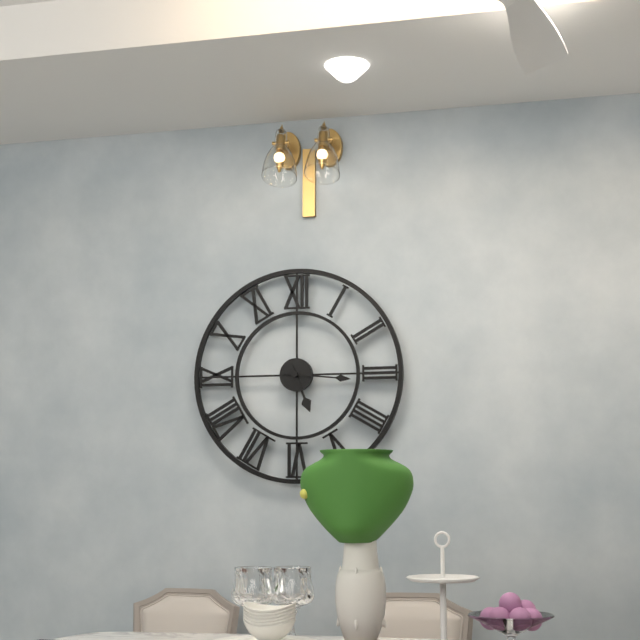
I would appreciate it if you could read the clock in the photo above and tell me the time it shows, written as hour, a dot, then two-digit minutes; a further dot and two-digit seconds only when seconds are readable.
5.16
